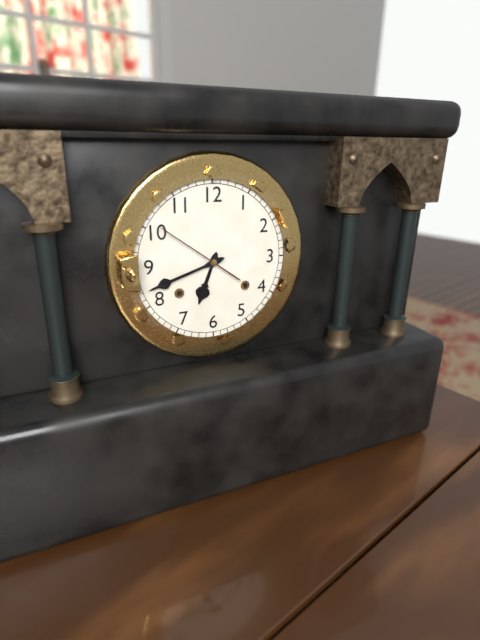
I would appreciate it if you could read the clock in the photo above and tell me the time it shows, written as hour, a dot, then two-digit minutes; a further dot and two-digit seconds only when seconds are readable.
6.42.51
